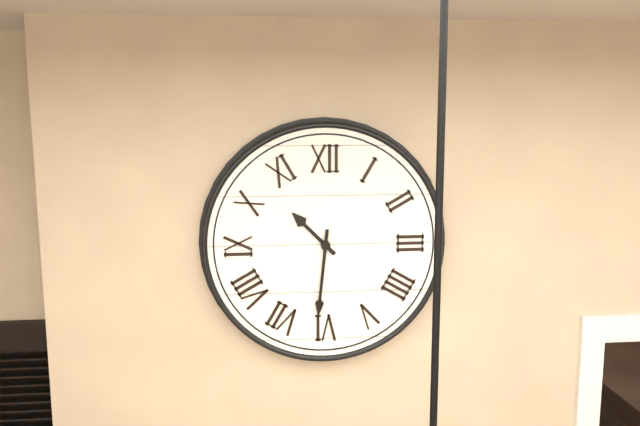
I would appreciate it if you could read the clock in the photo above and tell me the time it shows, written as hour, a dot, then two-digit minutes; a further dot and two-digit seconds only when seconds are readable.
10.31
